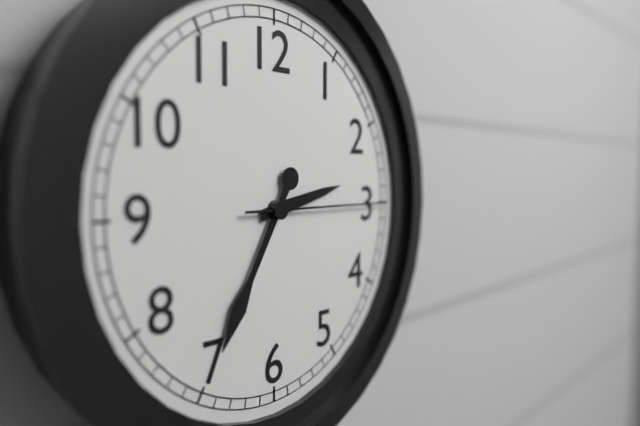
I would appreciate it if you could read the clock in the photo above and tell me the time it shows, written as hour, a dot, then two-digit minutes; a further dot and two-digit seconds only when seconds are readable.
2.35.15
